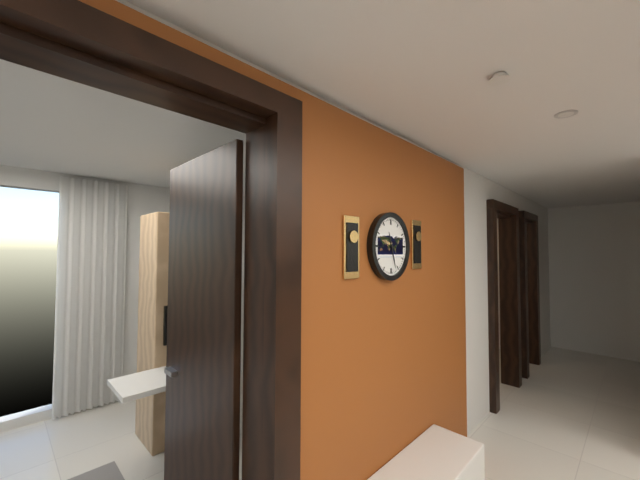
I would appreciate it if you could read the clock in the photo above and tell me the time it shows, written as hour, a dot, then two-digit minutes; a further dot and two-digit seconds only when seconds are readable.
11.27
